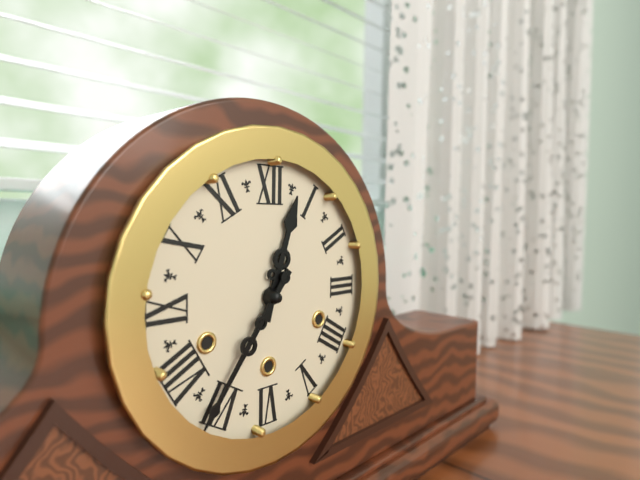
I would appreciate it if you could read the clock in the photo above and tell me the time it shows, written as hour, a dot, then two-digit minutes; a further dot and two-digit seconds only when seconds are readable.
12.36
